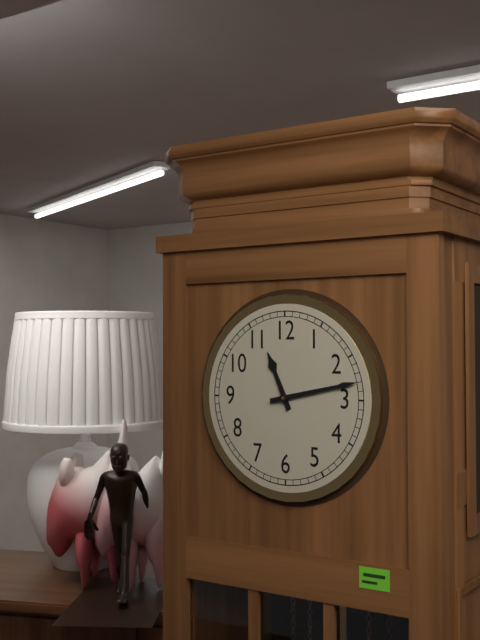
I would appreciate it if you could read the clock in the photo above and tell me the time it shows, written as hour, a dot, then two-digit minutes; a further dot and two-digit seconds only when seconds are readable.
11.13
